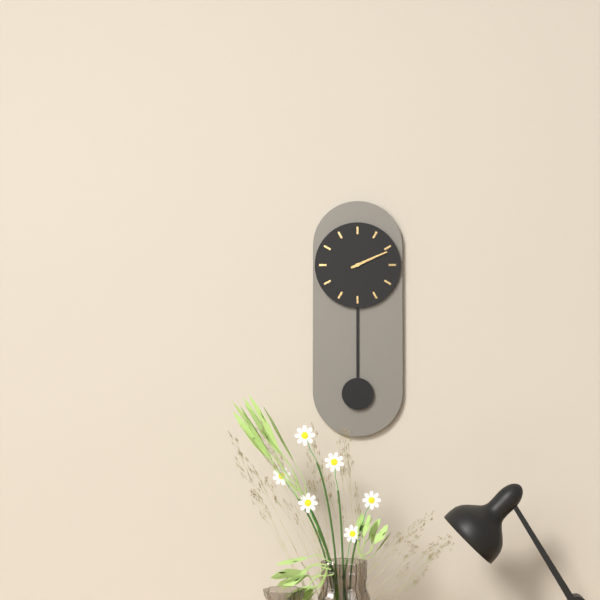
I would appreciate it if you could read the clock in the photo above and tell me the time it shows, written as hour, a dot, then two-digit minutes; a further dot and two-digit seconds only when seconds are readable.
2.11
